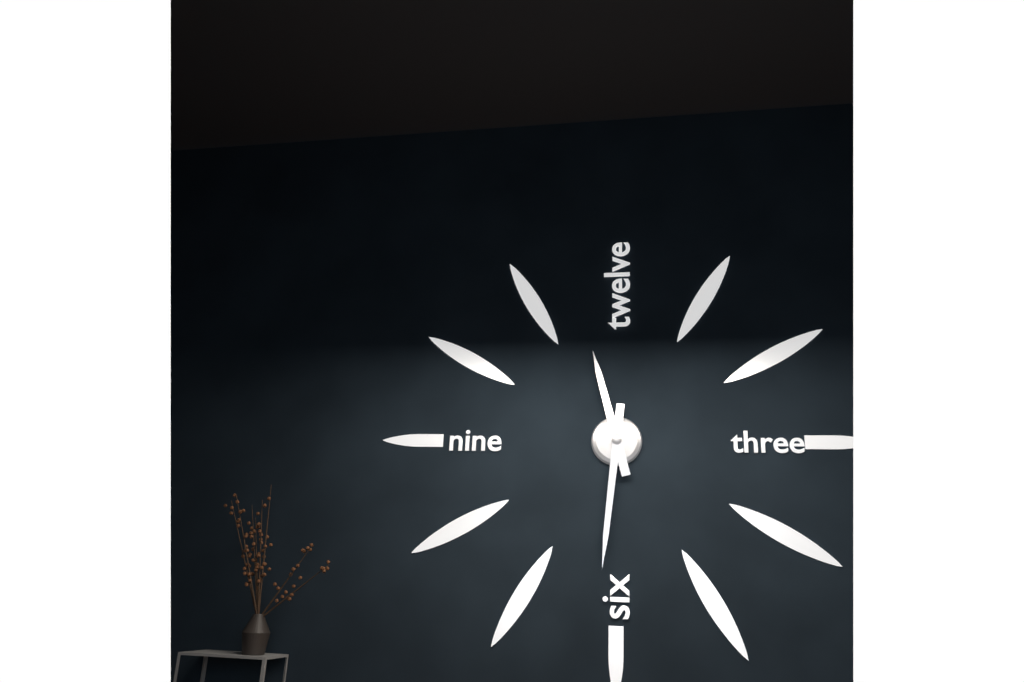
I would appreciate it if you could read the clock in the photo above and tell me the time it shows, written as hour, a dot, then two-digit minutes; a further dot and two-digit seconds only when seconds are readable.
11.31
